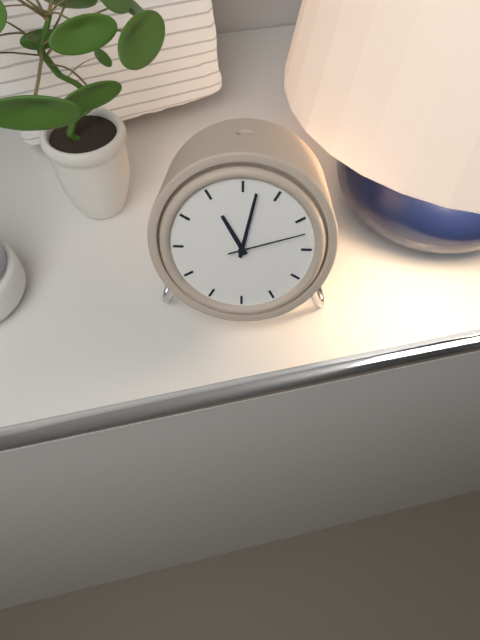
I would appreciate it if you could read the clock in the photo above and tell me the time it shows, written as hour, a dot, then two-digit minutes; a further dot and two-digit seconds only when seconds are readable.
11.02.12
